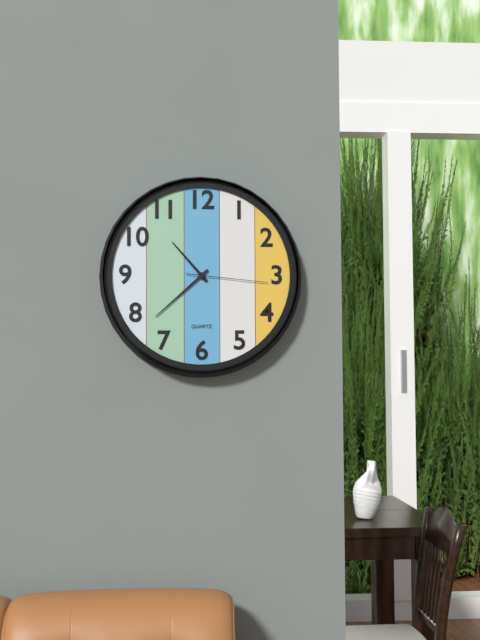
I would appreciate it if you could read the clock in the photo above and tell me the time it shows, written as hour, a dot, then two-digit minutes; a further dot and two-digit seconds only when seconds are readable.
10.38.16
